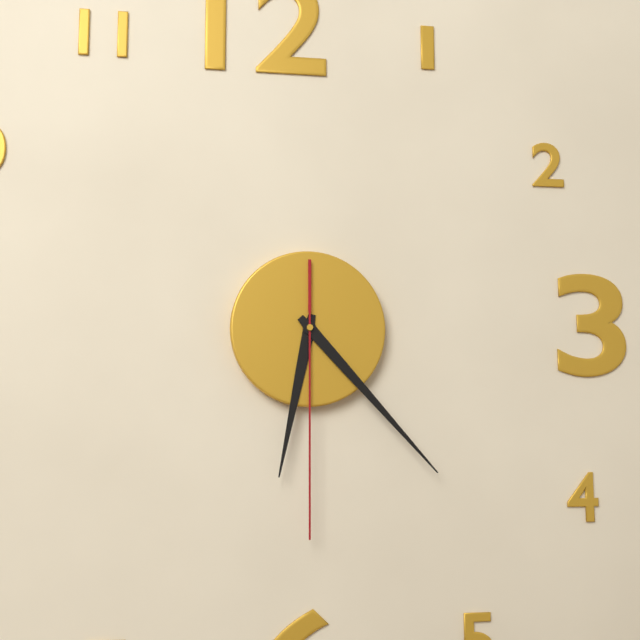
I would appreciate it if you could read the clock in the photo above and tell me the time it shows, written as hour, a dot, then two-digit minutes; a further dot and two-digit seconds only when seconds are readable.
6.23.30
